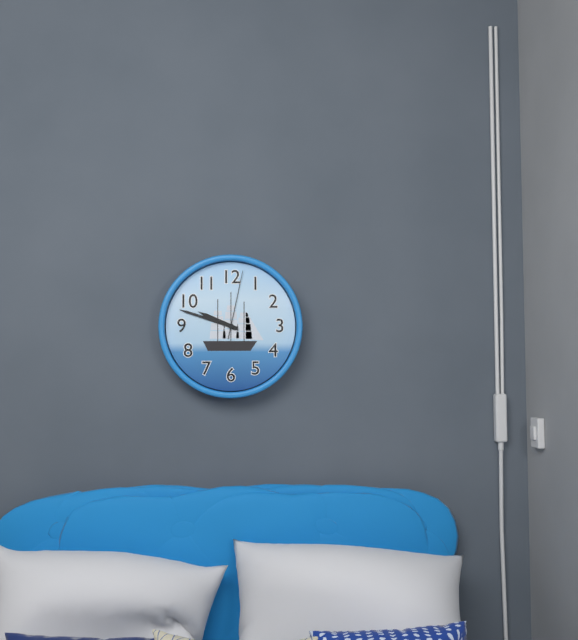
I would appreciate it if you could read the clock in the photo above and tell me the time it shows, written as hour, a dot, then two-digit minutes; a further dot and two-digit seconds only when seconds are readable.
9.48.02
